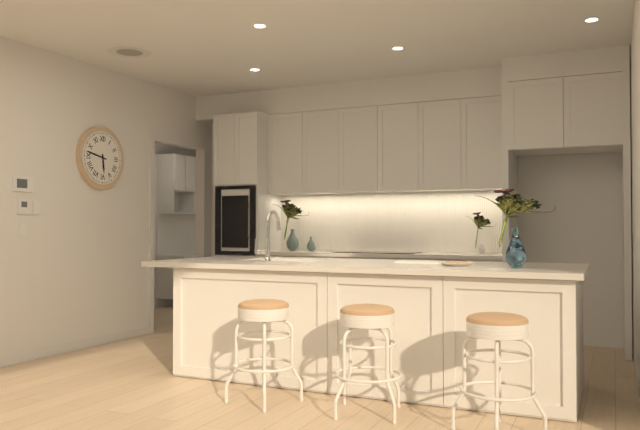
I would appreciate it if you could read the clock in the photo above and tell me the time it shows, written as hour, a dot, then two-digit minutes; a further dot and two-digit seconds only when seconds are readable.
5.47
